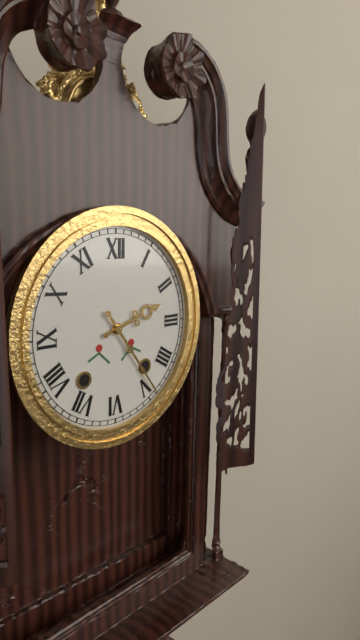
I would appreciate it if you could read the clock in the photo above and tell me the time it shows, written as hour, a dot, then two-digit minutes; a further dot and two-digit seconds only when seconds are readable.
2.24
